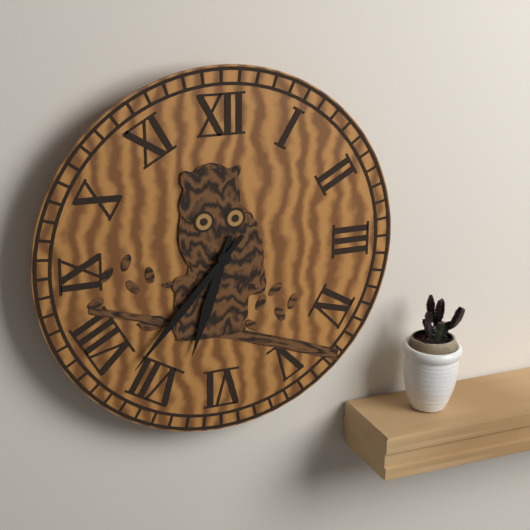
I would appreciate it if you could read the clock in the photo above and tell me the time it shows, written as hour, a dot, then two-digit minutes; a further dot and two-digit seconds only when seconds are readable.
6.37
